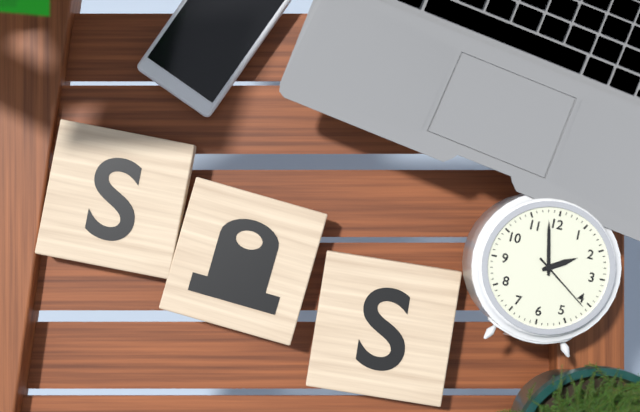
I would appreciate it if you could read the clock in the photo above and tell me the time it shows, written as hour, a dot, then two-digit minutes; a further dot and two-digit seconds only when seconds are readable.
1.58.21
